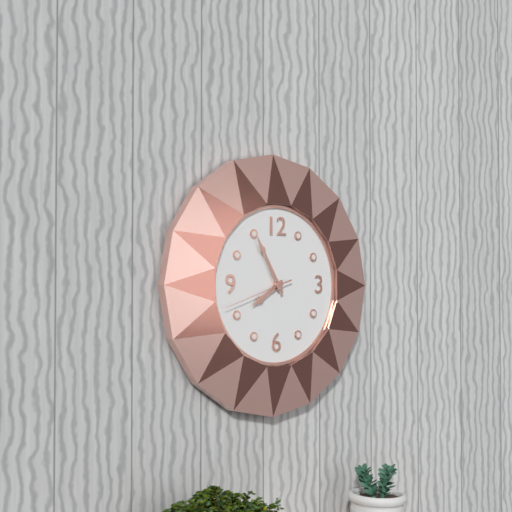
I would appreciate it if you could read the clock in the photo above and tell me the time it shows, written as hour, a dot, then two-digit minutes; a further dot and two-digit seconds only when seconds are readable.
7.55.42
